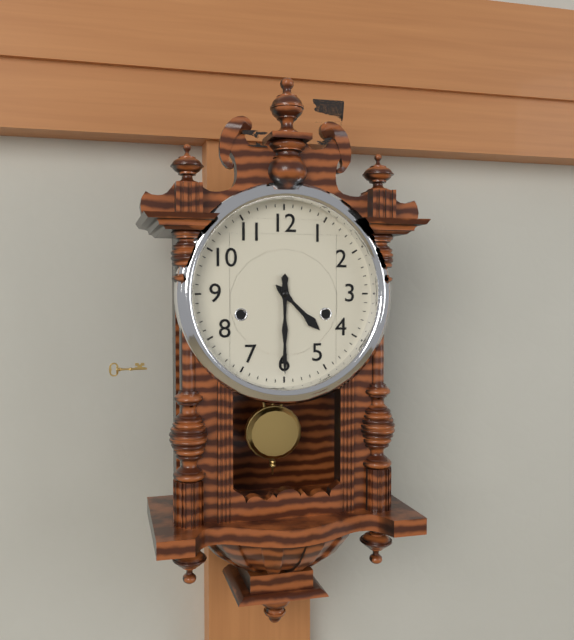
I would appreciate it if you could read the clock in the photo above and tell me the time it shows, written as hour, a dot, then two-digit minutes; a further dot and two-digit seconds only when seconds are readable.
4.30
